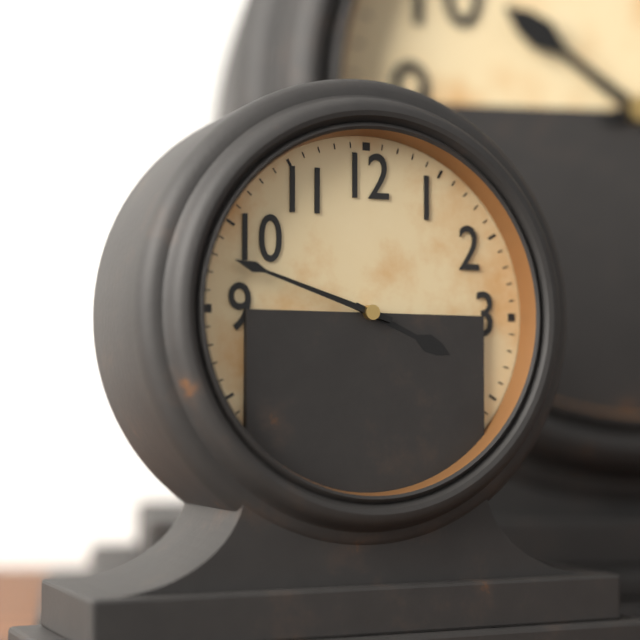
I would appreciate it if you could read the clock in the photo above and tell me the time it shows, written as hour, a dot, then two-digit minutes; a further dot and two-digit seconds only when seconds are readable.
3.48
